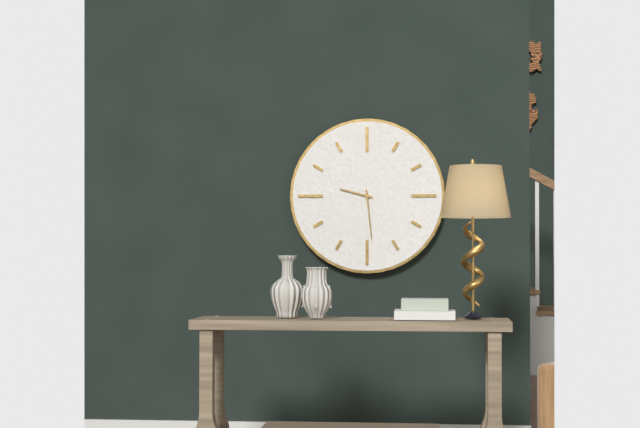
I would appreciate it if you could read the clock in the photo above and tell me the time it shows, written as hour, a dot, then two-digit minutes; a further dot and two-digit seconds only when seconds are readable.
9.29
